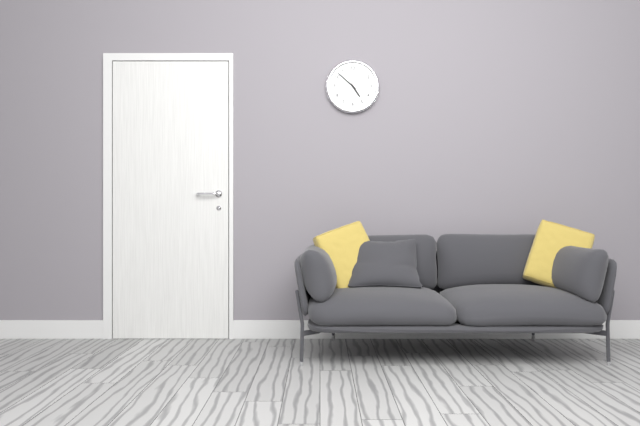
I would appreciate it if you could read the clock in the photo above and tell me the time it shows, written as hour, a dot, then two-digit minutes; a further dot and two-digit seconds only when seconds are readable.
4.52
